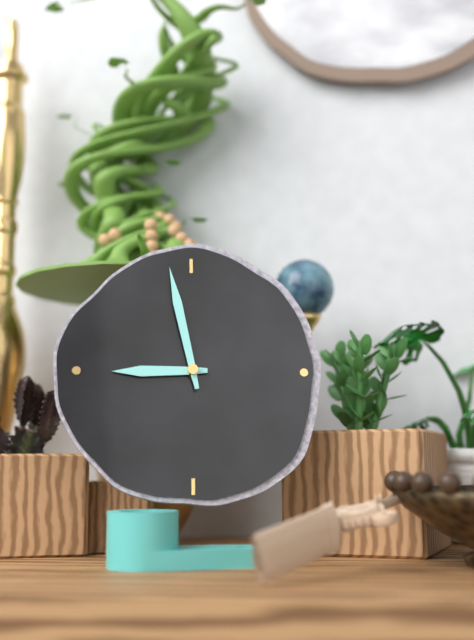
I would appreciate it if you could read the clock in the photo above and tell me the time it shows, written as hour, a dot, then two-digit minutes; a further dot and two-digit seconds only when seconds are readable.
8.58
